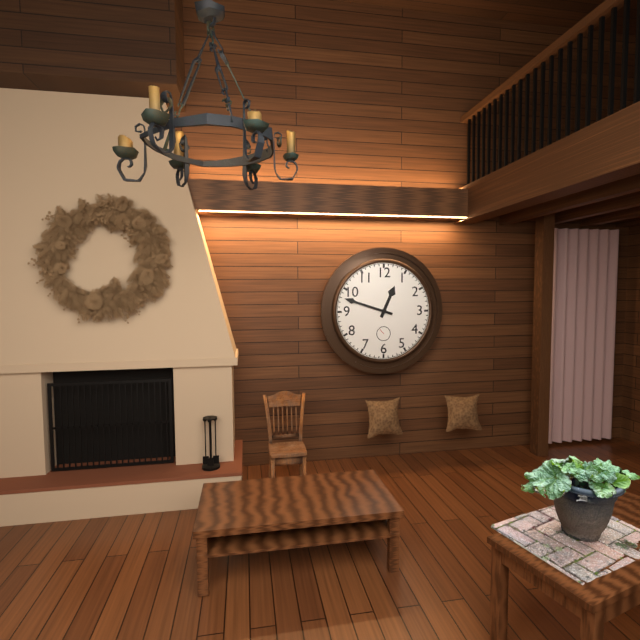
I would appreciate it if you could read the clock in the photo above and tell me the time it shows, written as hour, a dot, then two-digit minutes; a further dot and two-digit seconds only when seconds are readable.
12.48
